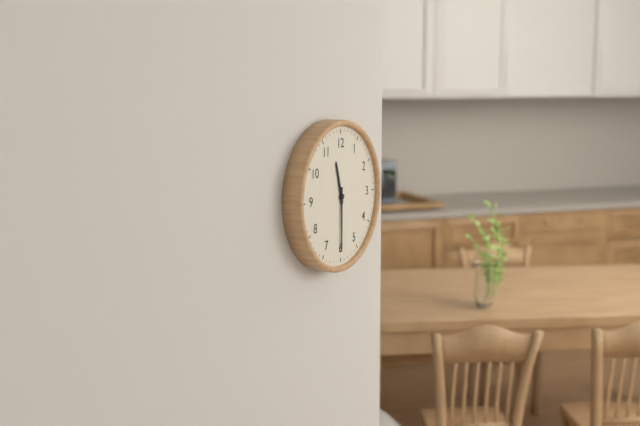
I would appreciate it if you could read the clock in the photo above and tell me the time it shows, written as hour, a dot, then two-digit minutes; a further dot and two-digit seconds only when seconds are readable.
11.30
